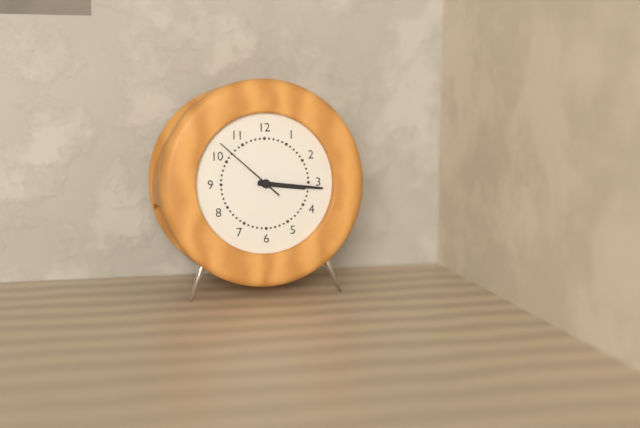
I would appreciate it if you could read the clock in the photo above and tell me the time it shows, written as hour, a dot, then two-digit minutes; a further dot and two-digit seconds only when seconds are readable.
3.16.52
